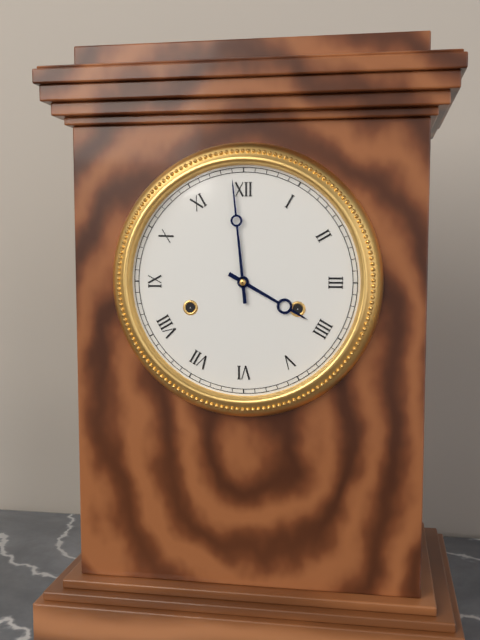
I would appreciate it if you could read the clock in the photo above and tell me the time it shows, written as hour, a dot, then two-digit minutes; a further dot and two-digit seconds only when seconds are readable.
3.59
